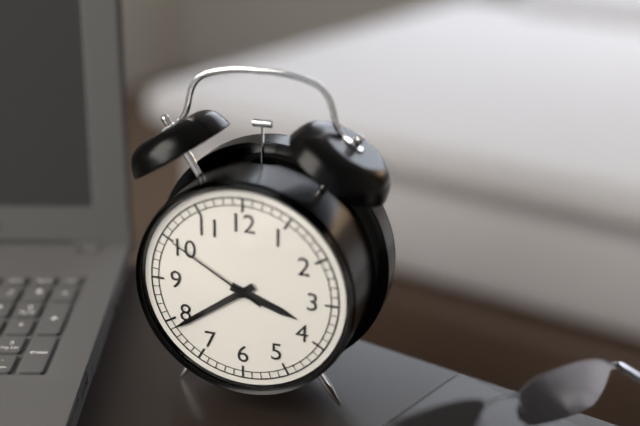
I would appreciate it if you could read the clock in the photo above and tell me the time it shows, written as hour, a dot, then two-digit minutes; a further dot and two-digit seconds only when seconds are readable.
3.39.50
